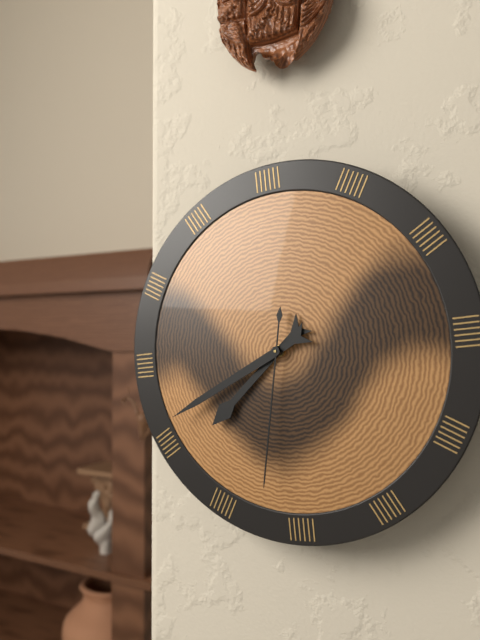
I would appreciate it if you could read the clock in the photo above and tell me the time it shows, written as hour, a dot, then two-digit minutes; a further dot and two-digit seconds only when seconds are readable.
7.41.32
